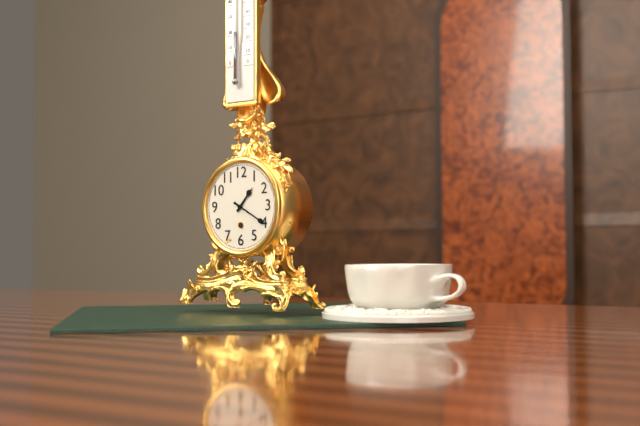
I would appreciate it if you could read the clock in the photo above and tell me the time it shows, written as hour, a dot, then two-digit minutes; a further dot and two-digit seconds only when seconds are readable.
1.20
